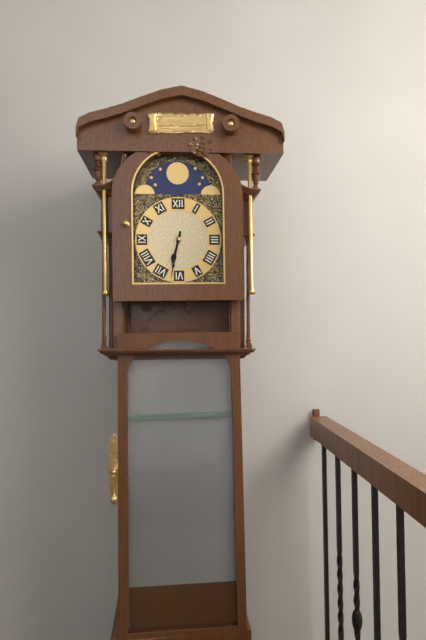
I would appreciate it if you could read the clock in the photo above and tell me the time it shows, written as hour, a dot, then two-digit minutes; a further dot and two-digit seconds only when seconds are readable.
6.32
